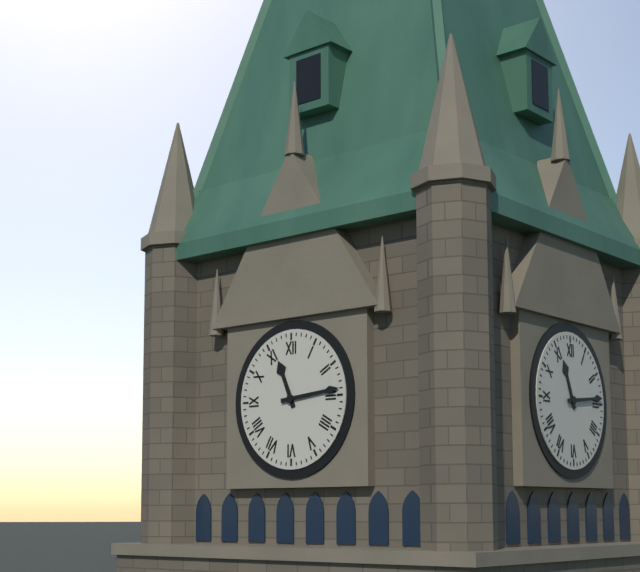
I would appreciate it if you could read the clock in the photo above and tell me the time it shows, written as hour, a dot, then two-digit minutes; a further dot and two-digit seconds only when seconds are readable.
11.14
